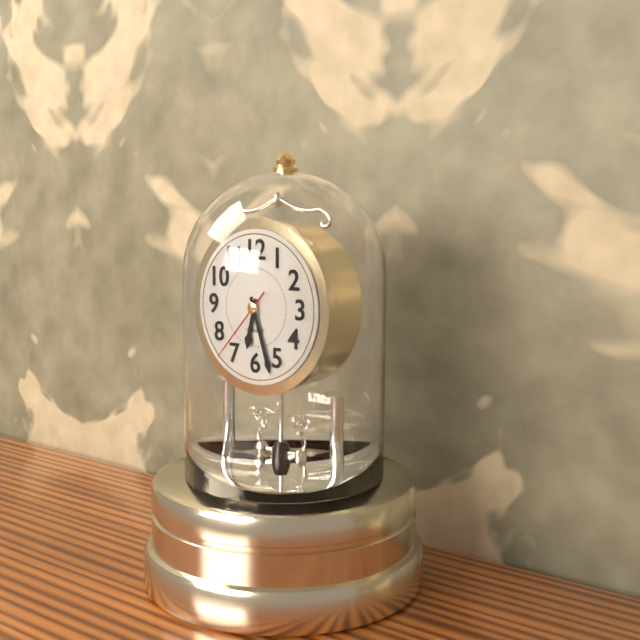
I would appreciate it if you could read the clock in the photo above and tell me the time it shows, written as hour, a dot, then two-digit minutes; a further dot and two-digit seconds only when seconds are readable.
6.27.37
